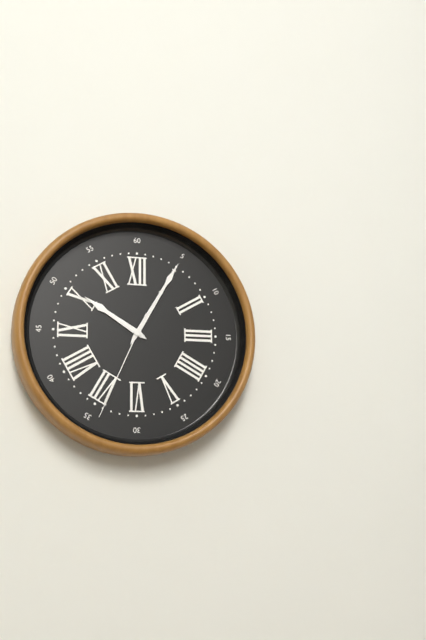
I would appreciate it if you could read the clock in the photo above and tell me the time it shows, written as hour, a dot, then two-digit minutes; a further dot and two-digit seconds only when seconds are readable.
10.05.34
